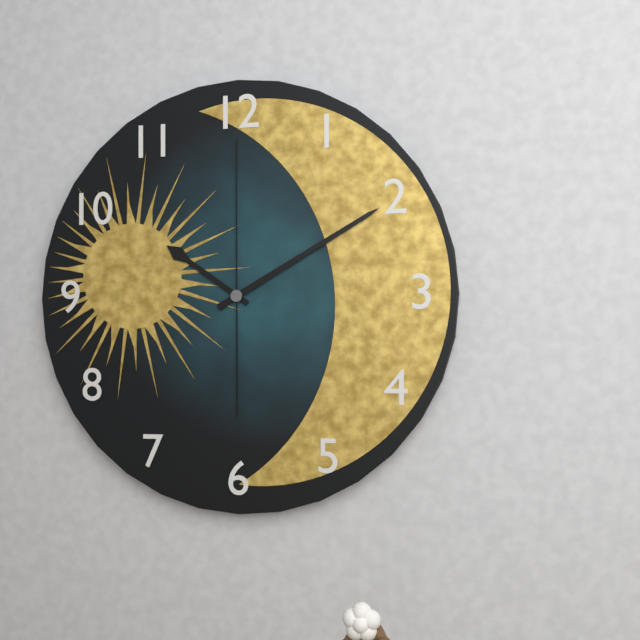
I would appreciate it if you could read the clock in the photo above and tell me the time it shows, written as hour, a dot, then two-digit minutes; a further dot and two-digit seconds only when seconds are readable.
10.10.00
